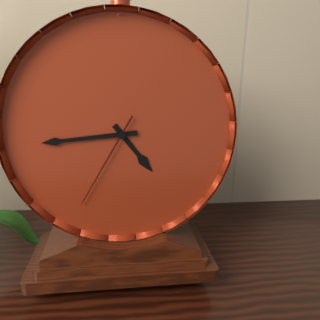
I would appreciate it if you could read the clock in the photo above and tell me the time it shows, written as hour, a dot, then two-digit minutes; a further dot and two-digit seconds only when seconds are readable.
4.44.35
